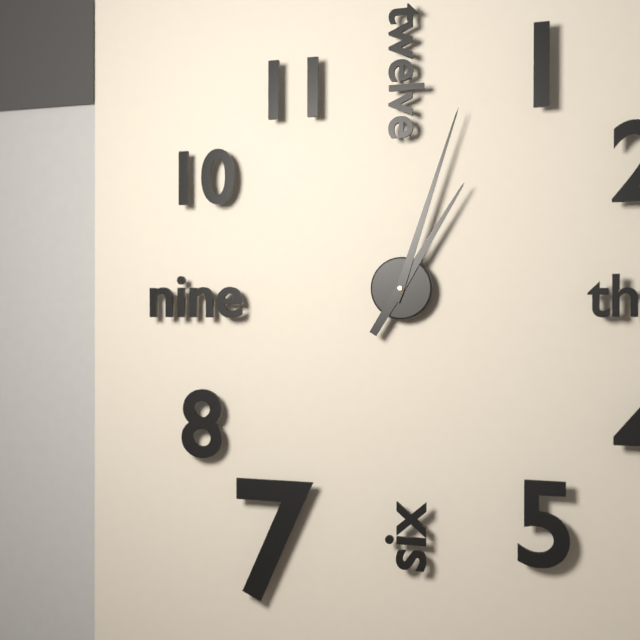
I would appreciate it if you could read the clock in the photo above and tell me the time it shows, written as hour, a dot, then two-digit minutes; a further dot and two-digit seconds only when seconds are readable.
1.03
